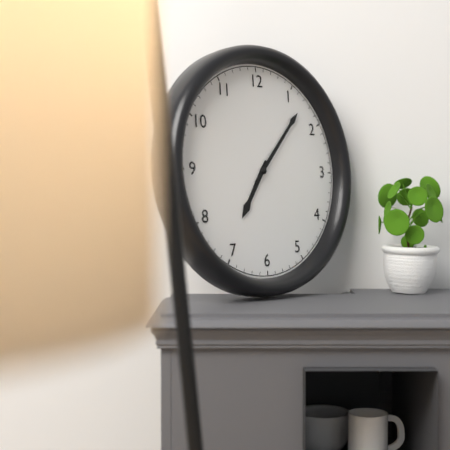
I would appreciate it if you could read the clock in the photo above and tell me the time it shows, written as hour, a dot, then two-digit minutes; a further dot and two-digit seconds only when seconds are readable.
7.07
